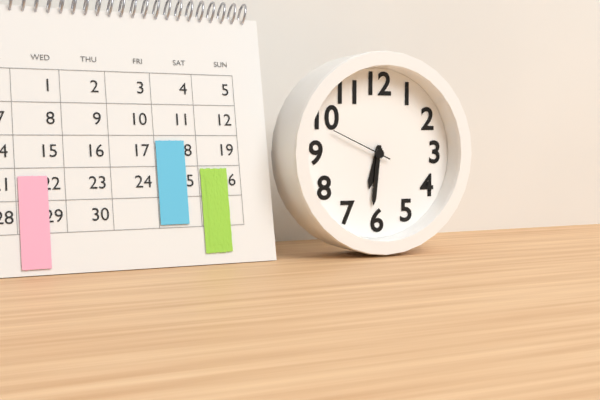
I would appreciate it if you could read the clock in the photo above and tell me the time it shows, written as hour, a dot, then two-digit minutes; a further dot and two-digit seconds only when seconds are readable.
6.31.49
